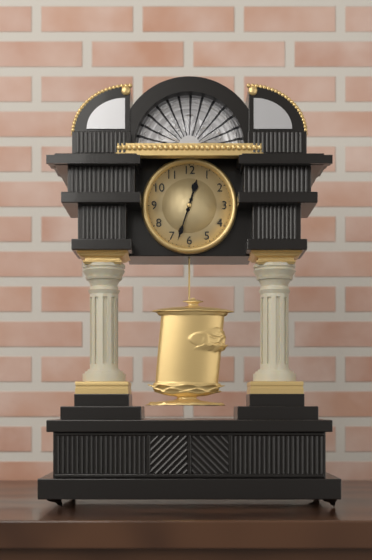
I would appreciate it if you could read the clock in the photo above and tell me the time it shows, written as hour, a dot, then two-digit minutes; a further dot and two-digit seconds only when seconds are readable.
12.33
